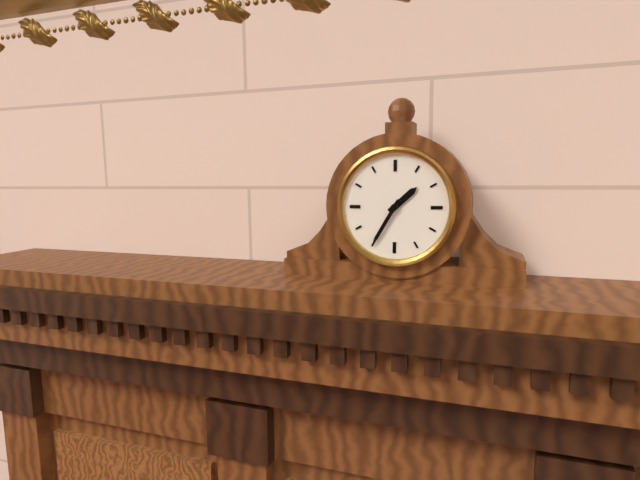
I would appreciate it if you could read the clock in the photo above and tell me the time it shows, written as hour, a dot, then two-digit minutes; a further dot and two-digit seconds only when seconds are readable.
1.35
